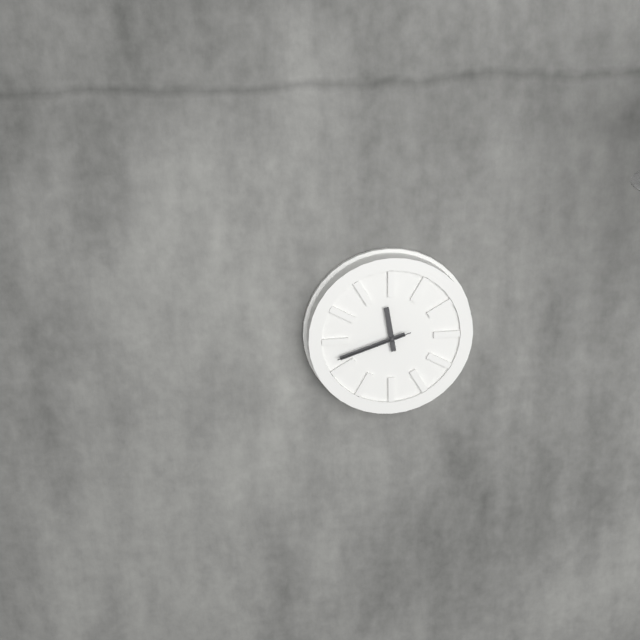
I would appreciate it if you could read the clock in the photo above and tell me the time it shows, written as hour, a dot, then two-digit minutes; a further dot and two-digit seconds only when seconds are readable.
11.42.42
